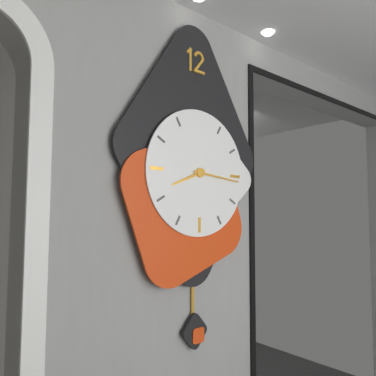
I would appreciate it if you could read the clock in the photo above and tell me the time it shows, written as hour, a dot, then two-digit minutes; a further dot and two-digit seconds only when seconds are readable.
8.16
